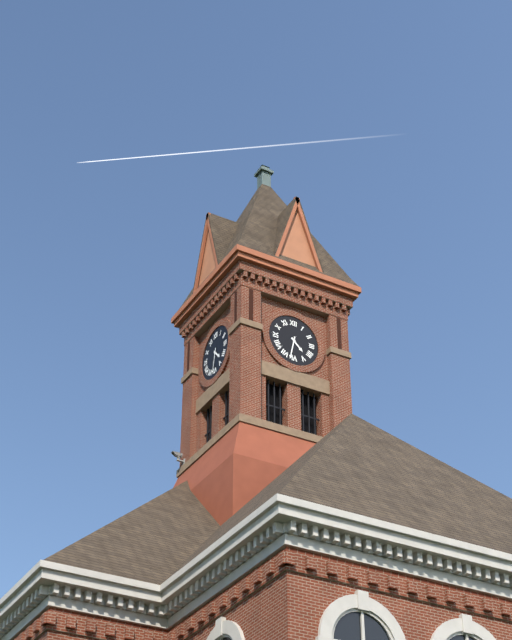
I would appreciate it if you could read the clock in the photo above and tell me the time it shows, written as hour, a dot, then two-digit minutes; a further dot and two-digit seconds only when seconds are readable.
4.32
